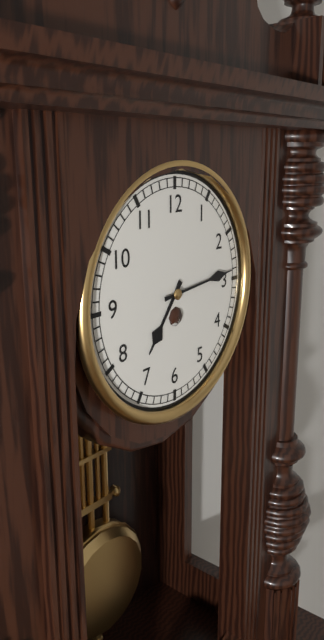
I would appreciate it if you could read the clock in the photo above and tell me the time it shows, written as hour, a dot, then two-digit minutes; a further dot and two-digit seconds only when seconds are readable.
7.14
